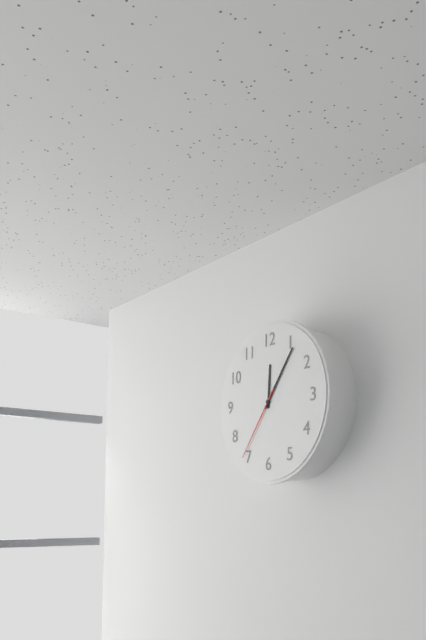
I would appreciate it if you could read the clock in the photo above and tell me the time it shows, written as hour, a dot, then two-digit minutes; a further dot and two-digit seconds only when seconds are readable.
12.06.36
